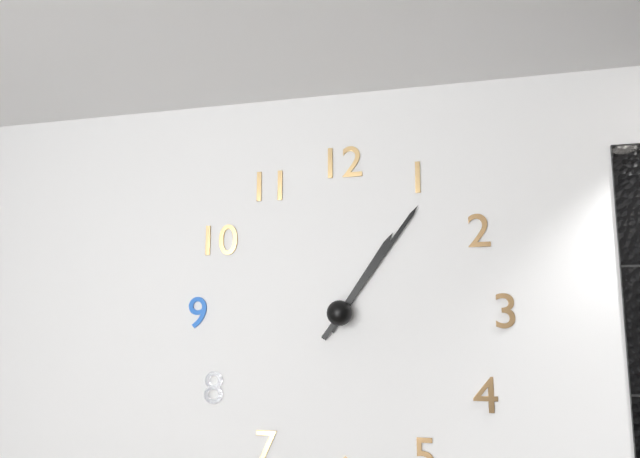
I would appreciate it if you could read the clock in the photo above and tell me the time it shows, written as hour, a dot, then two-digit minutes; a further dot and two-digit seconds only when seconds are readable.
1.06
